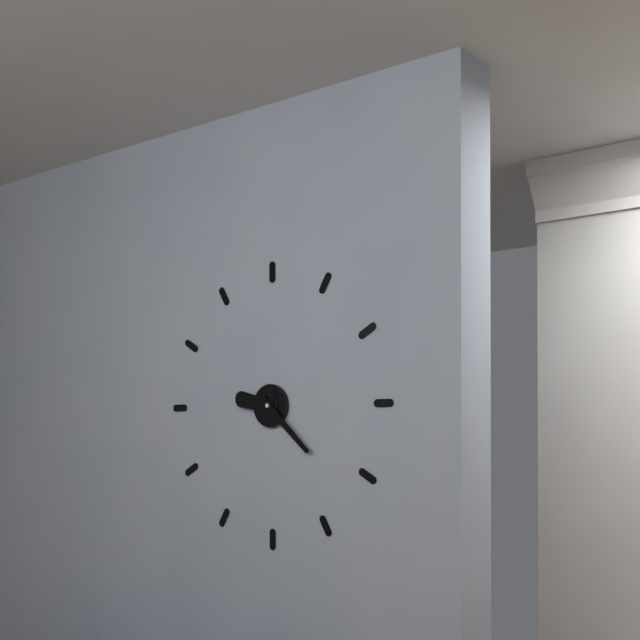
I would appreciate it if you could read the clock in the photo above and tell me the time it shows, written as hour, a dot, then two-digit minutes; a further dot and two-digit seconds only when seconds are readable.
9.22
